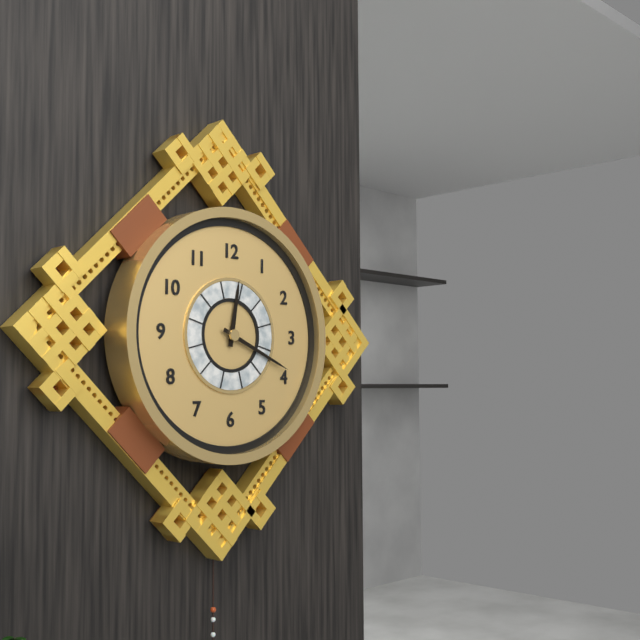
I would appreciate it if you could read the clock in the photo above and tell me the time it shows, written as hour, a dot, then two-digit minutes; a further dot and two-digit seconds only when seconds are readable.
12.19
